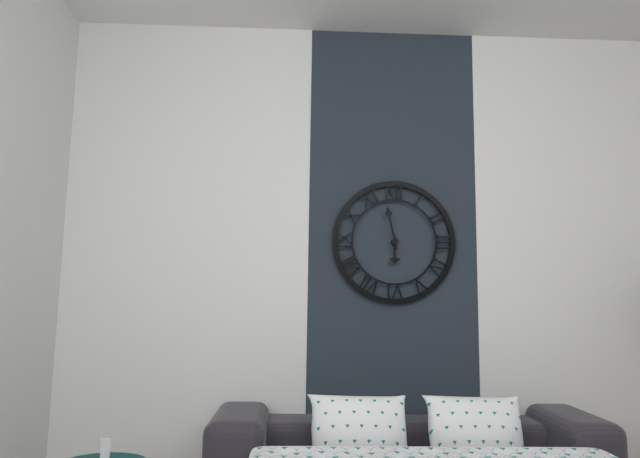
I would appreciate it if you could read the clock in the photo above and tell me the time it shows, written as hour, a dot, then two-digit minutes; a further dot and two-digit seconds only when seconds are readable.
5.58
